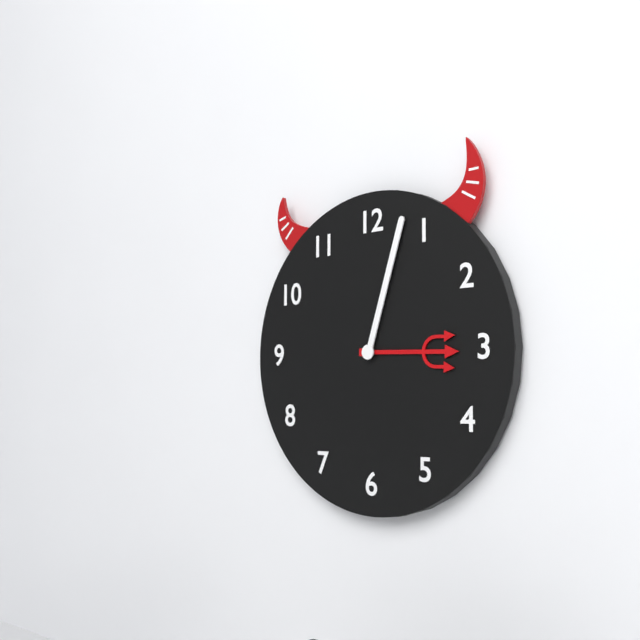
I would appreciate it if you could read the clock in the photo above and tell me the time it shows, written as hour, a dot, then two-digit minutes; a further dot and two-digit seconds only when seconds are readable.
3.03
